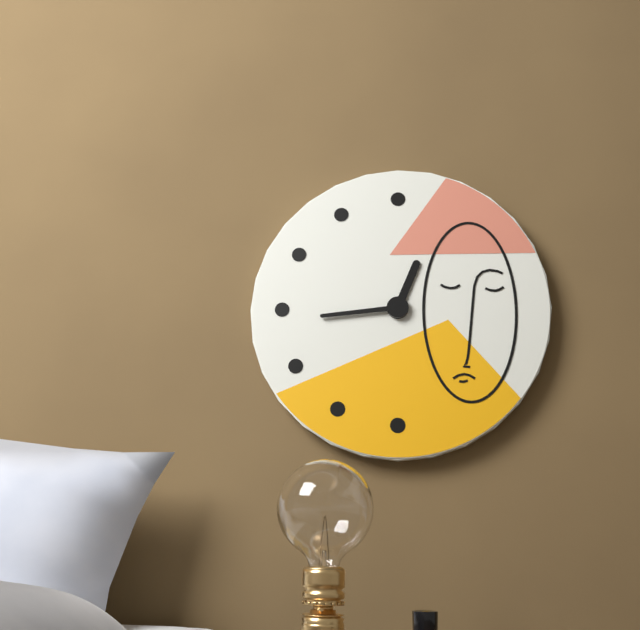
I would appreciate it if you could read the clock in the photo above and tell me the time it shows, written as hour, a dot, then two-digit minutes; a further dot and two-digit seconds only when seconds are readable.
12.44
